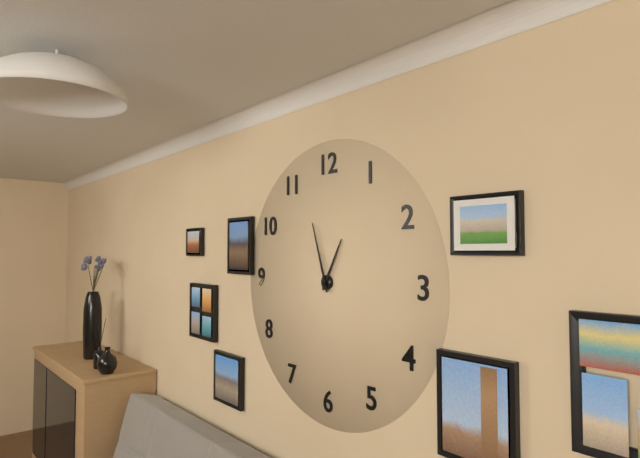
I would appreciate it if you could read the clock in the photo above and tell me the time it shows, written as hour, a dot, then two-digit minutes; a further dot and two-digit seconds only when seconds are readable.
12.57
